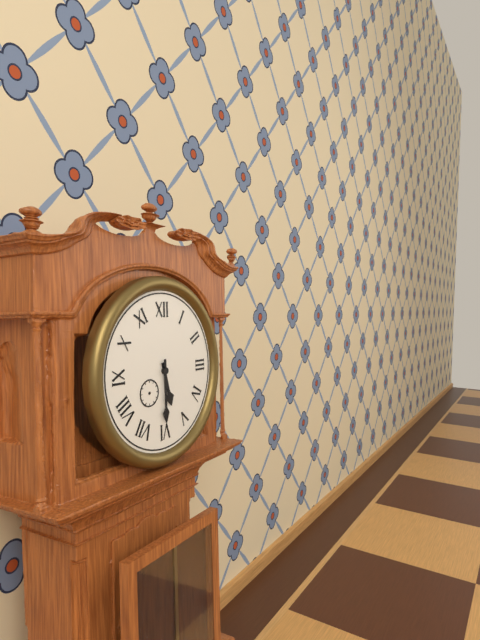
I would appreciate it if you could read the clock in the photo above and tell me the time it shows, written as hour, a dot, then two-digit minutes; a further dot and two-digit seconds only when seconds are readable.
5.30
